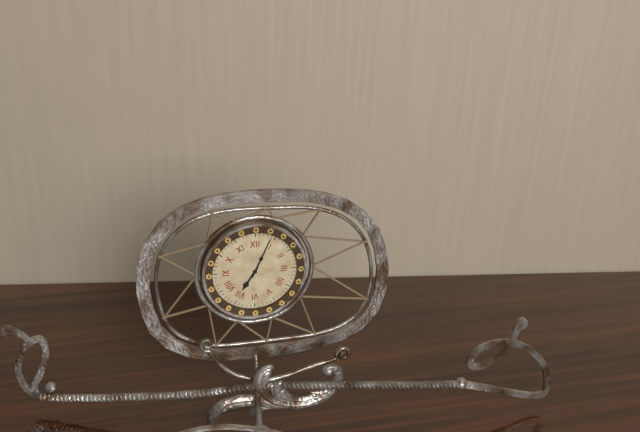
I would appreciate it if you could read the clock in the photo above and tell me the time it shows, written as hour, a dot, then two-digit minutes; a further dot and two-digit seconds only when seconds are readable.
7.04
